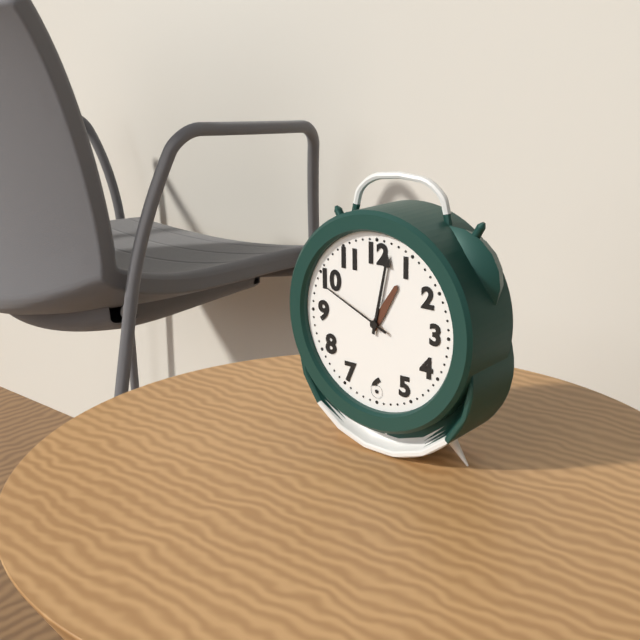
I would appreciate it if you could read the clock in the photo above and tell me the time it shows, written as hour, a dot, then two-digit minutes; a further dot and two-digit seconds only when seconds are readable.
1.02.49
